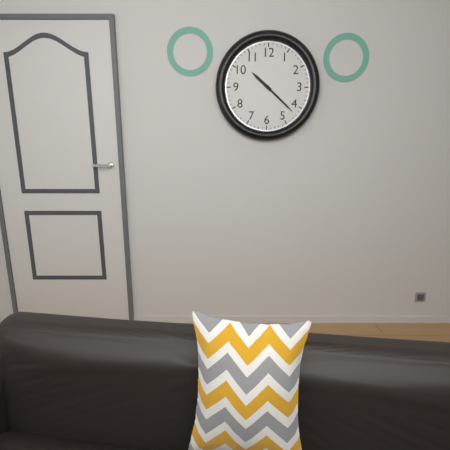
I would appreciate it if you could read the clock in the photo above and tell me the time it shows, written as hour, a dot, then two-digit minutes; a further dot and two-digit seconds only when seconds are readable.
10.22
